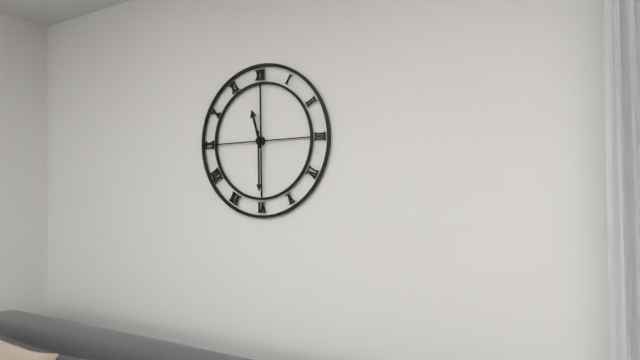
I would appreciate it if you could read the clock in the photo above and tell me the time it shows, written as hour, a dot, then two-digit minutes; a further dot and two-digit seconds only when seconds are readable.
11.30
